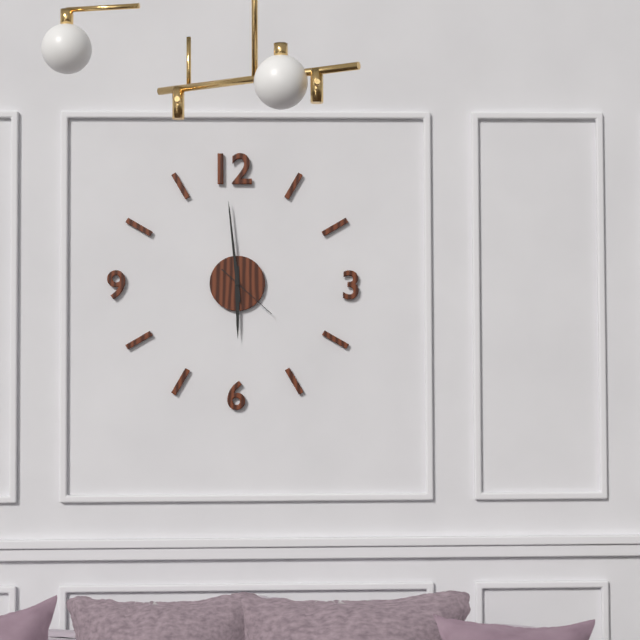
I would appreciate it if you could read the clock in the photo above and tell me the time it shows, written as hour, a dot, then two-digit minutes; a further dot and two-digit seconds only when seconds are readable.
5.59.22
